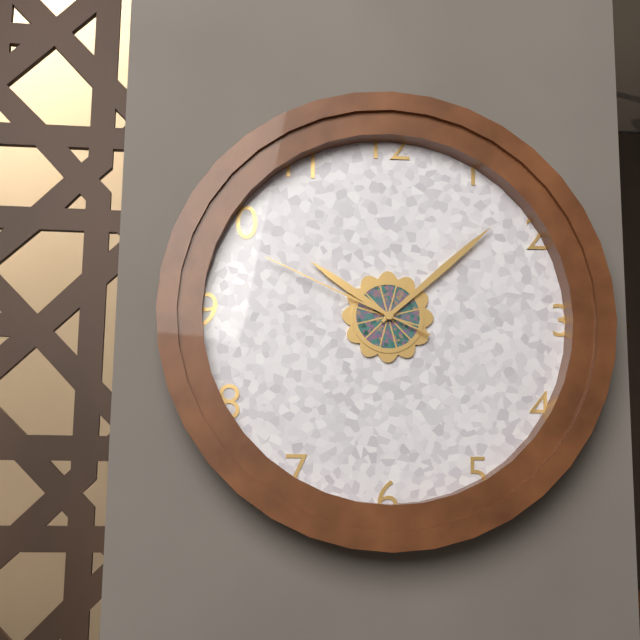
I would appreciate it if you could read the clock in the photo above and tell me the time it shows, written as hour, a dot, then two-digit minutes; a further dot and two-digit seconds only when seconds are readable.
10.08.49
